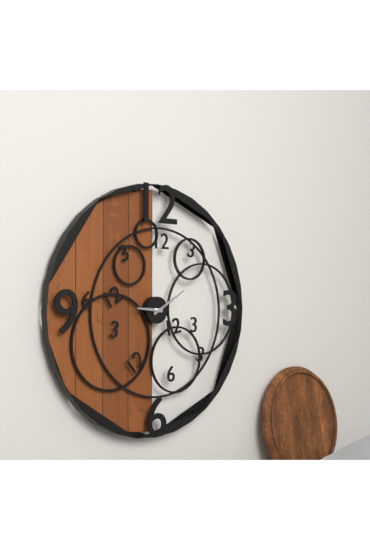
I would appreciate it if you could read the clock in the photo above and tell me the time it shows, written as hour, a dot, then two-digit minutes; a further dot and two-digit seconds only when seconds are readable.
9.10
